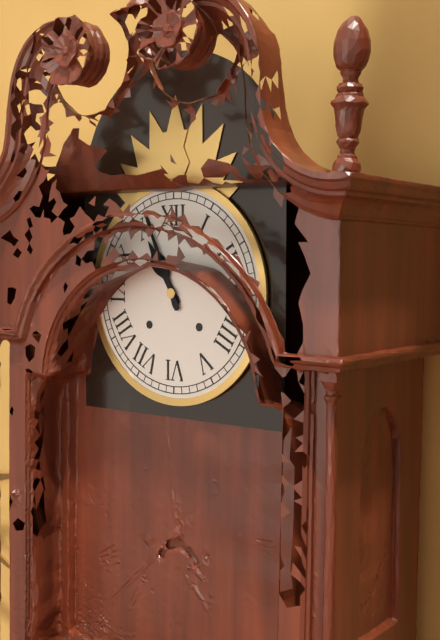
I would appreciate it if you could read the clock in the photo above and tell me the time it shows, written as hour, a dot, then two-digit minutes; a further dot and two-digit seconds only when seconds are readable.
10.56
